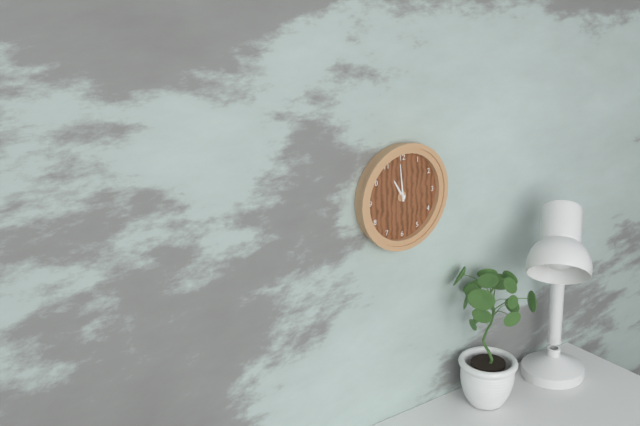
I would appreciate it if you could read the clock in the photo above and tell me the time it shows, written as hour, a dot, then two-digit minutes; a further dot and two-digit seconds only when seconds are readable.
10.59
